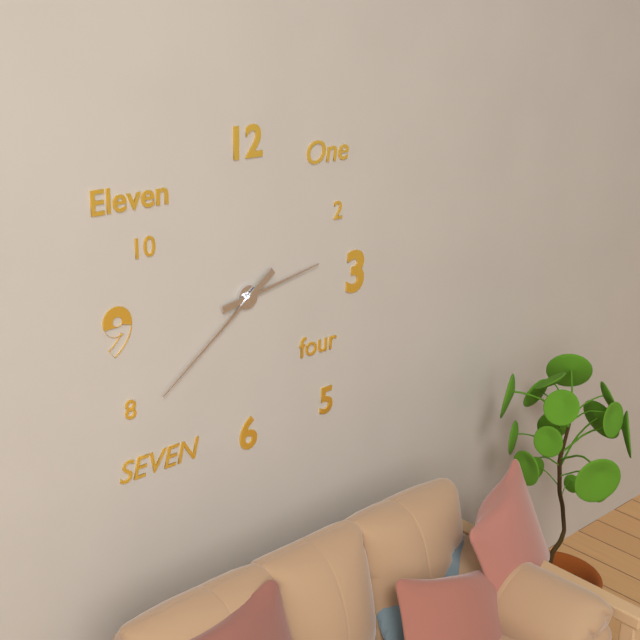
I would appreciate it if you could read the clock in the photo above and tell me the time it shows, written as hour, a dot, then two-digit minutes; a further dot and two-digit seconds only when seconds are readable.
2.39
